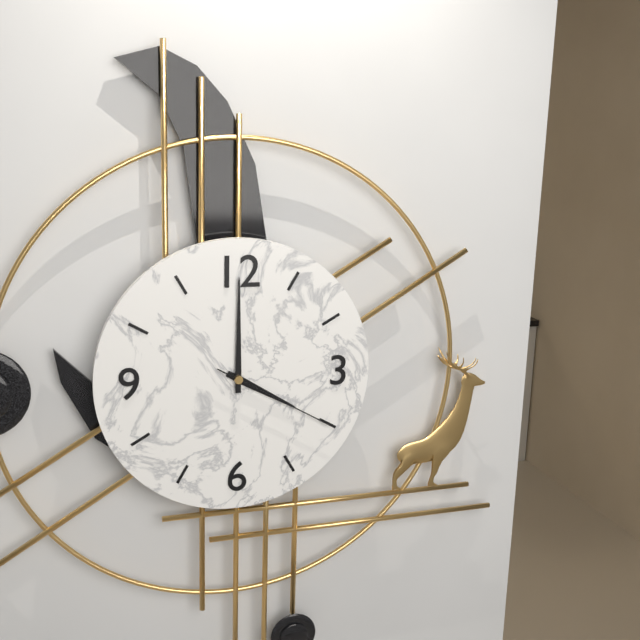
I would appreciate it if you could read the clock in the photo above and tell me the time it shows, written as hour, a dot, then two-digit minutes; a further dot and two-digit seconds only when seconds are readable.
4.00.20
